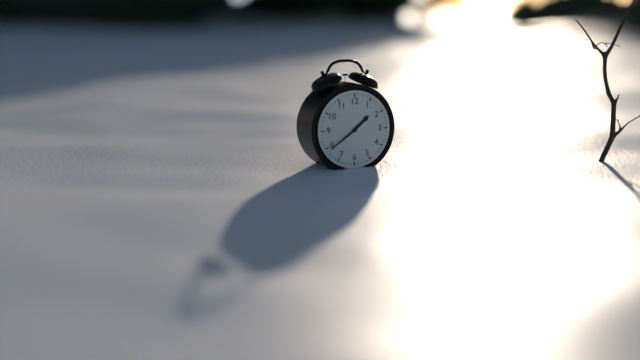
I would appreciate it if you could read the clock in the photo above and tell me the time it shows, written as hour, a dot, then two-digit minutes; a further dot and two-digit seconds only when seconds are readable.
1.39
